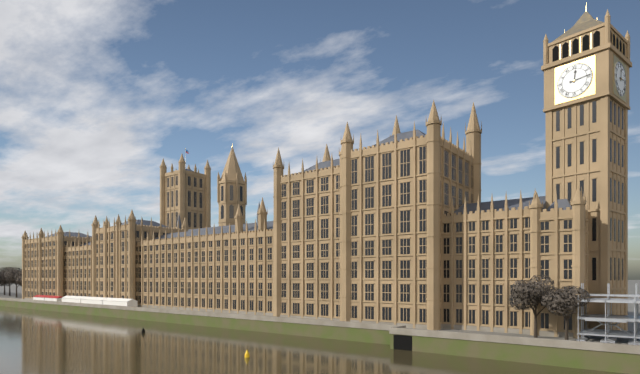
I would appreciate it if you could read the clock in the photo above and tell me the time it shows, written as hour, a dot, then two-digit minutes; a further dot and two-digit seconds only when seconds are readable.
12.14
